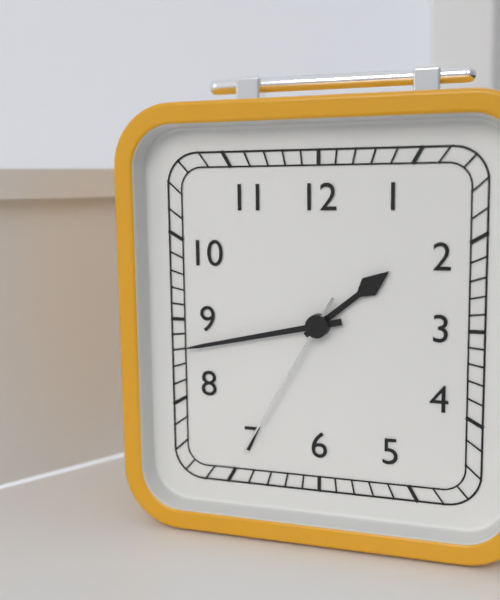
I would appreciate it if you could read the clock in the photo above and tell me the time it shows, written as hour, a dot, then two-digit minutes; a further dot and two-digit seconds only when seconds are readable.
1.43.35
